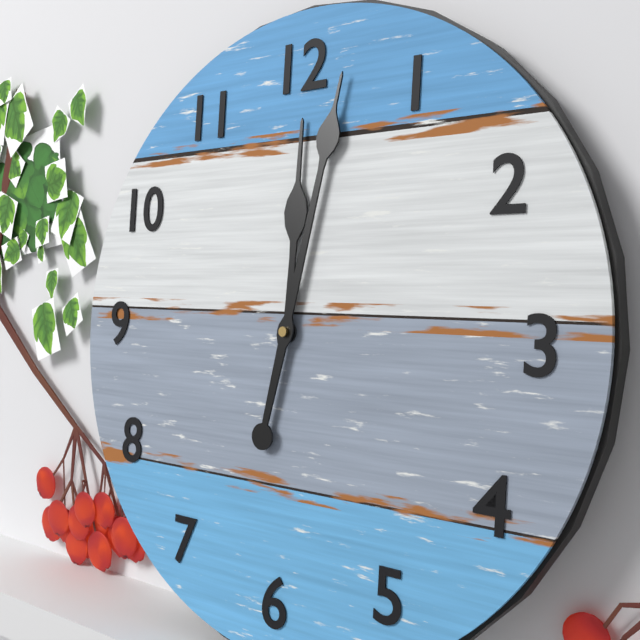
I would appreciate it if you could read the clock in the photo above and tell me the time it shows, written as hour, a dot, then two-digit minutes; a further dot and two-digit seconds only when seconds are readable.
12.02
